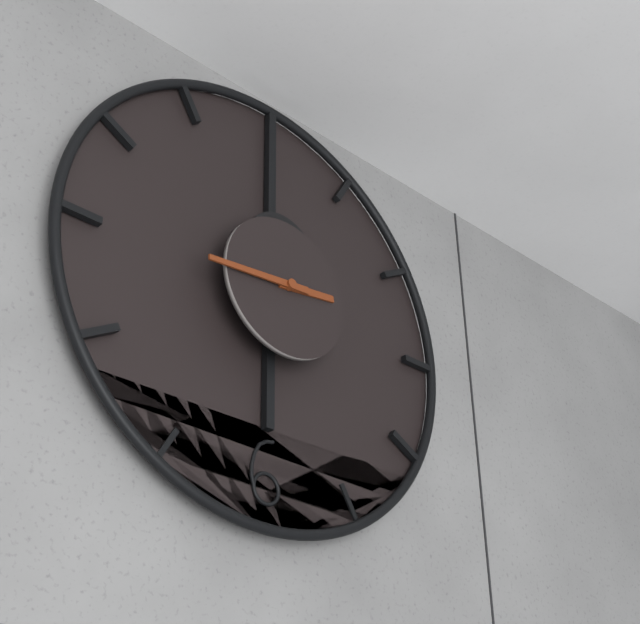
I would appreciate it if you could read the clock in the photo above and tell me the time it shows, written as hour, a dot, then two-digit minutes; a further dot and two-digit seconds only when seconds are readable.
2.44
